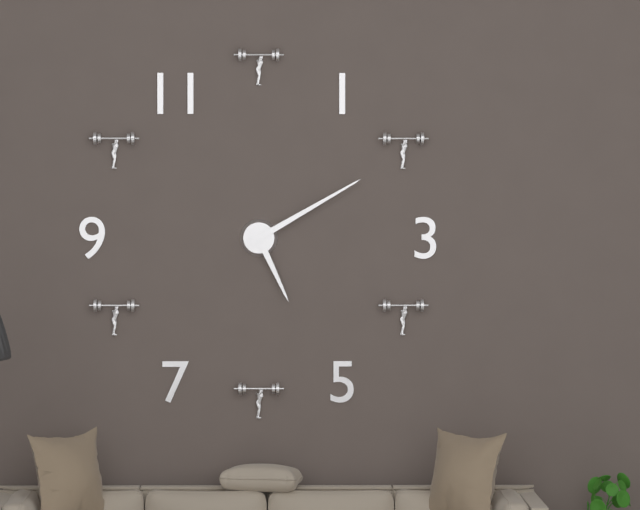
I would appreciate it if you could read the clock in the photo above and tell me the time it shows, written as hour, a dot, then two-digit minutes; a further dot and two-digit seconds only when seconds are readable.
5.10
